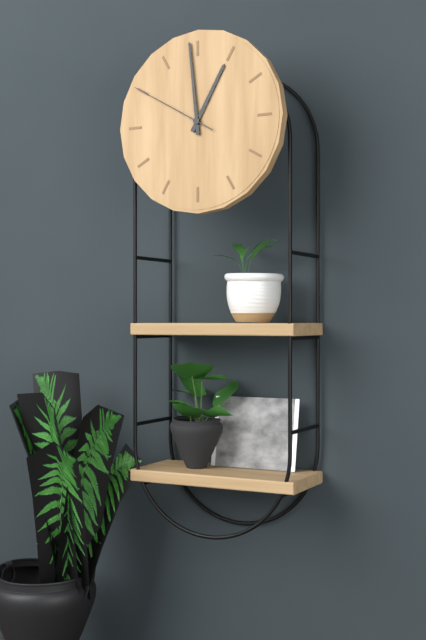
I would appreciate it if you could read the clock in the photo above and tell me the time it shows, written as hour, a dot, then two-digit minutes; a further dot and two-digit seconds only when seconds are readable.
12.59.50
